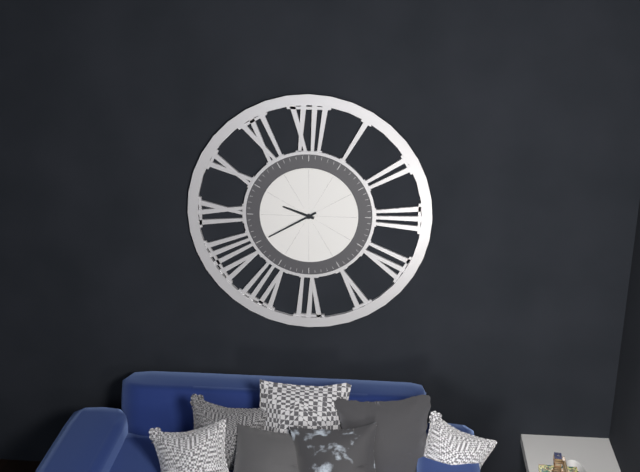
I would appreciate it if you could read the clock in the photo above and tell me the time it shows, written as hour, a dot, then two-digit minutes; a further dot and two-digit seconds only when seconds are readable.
9.40
